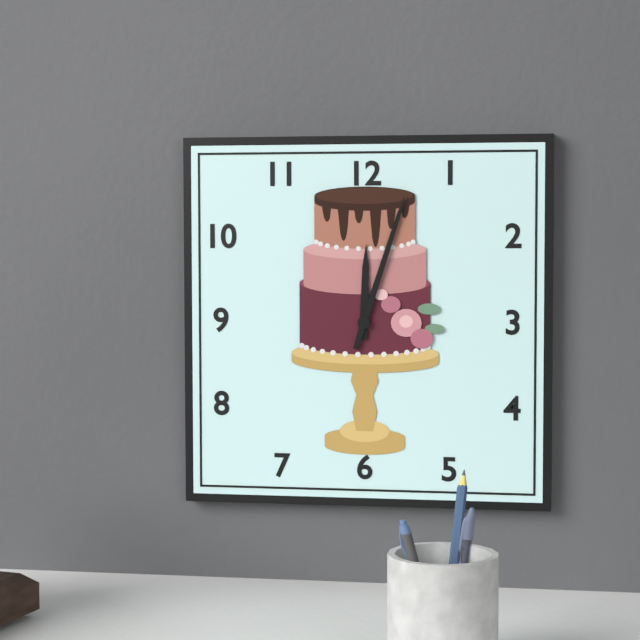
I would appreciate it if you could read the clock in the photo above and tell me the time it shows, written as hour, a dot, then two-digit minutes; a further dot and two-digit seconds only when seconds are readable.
12.03
